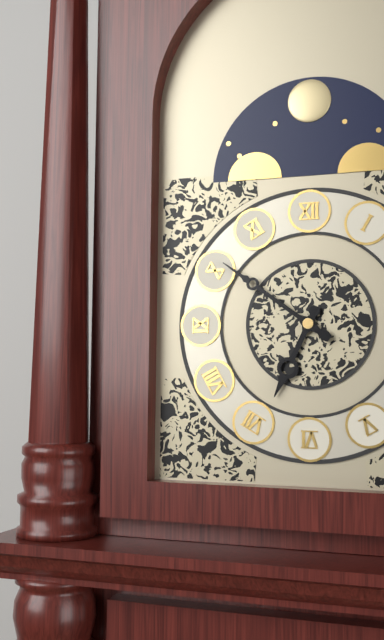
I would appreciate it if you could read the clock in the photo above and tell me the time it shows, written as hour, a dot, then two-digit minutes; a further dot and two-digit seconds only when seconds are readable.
6.51
